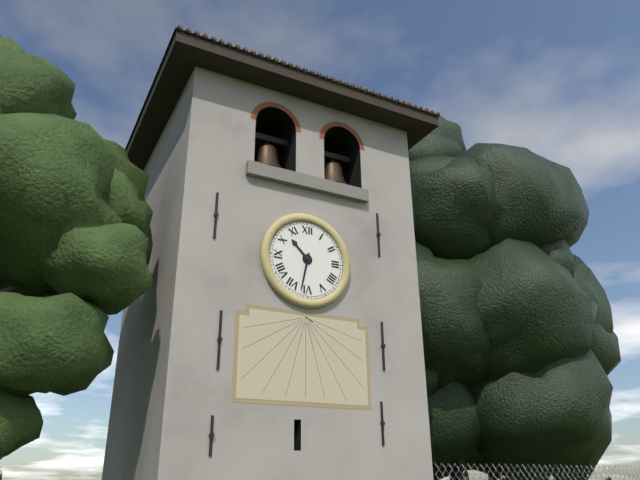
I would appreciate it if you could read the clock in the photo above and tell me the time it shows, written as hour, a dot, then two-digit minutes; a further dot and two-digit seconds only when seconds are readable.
10.32
